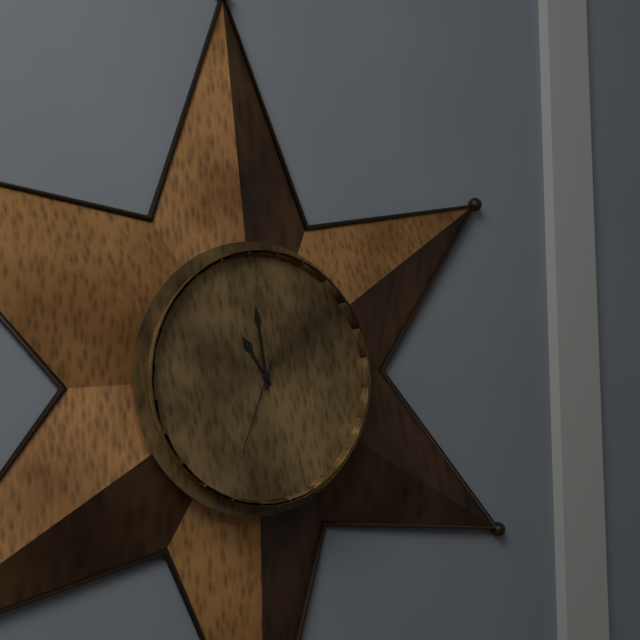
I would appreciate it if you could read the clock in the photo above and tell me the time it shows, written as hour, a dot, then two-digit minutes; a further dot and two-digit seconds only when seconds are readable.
10.59.34
